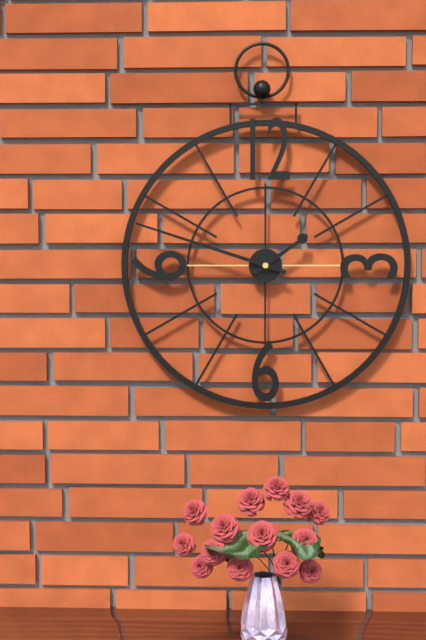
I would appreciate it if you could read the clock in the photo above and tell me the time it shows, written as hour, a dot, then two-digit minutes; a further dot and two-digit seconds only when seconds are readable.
1.48
